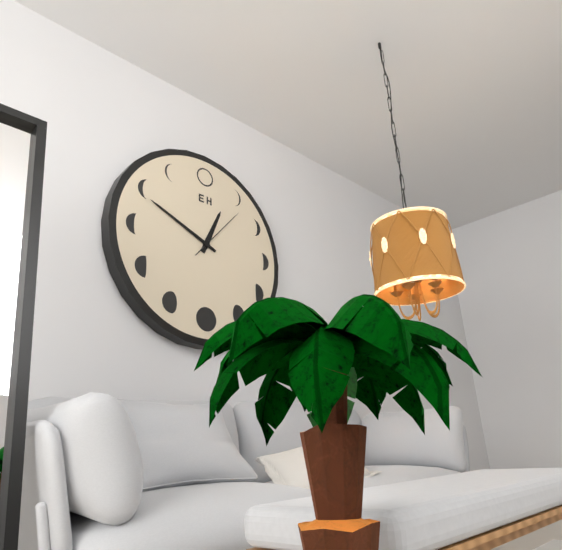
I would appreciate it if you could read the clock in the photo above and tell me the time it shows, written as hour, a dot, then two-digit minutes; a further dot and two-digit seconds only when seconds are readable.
12.49.07
